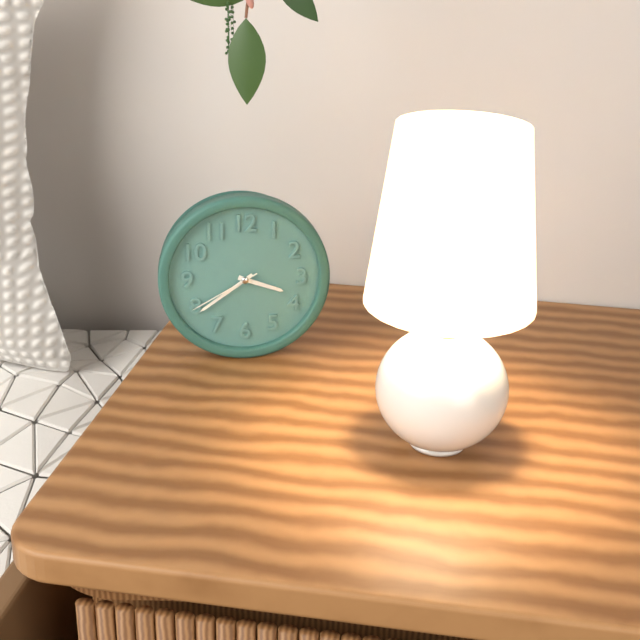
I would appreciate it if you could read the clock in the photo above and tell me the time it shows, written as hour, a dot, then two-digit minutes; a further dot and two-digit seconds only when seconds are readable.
3.39.40
